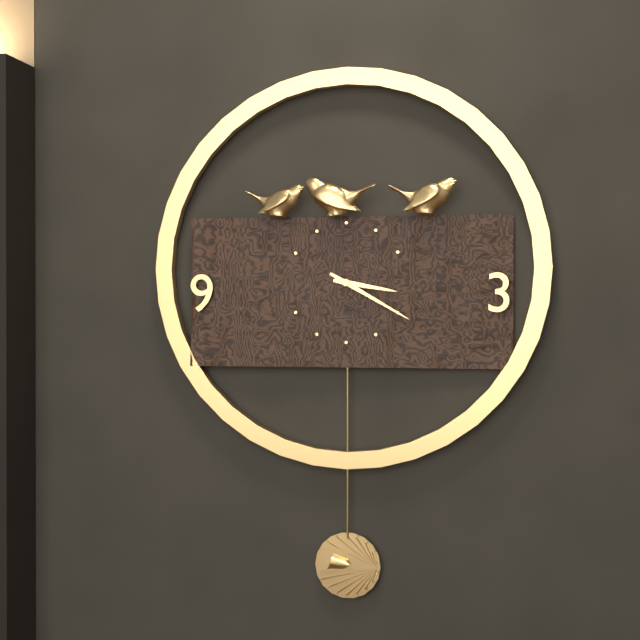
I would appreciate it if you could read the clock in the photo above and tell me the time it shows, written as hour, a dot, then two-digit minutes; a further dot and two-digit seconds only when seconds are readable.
3.20
